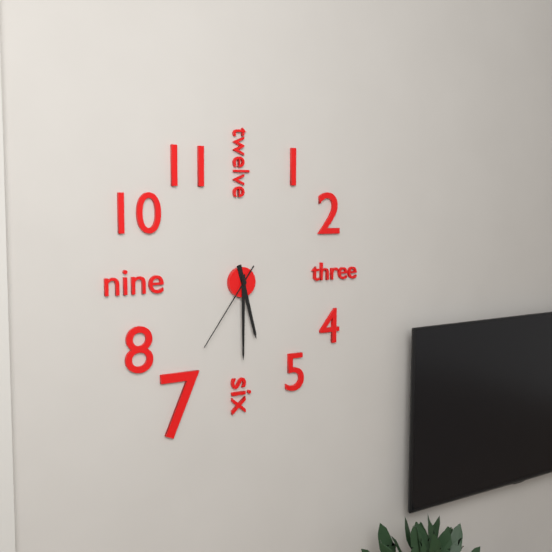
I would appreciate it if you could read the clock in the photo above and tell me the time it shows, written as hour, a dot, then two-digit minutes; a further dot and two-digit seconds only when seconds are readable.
5.30.36
